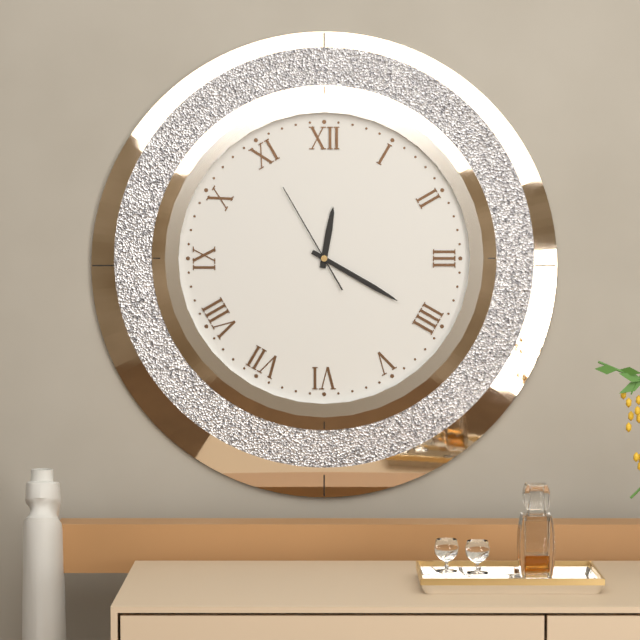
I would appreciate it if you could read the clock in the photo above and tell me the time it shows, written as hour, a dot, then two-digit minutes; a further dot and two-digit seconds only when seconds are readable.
12.20.55
